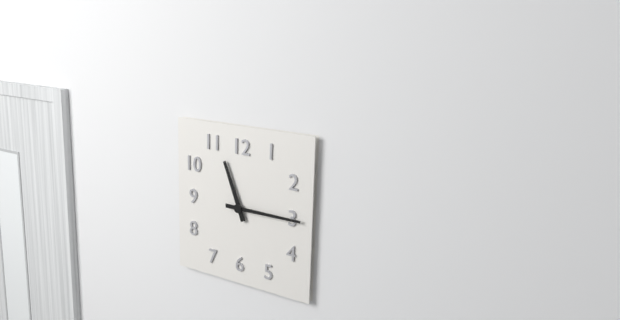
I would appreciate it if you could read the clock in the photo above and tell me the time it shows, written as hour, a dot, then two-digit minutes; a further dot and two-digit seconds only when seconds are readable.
11.15
